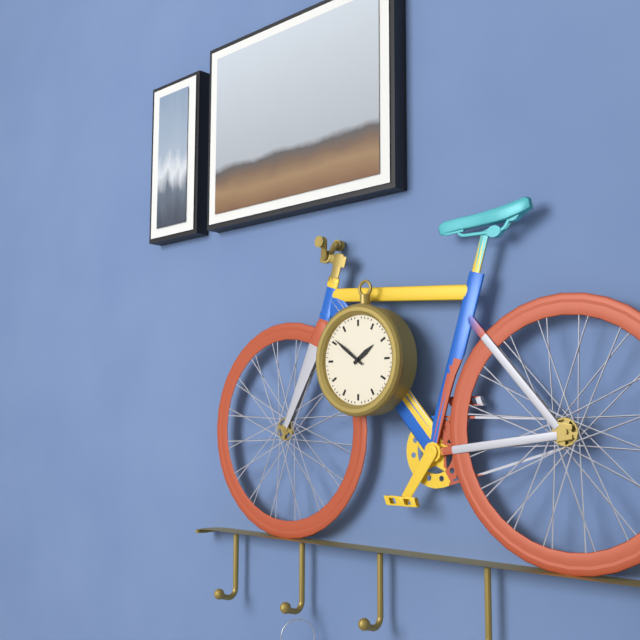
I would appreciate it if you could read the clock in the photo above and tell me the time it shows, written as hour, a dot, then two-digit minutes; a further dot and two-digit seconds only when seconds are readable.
1.51
